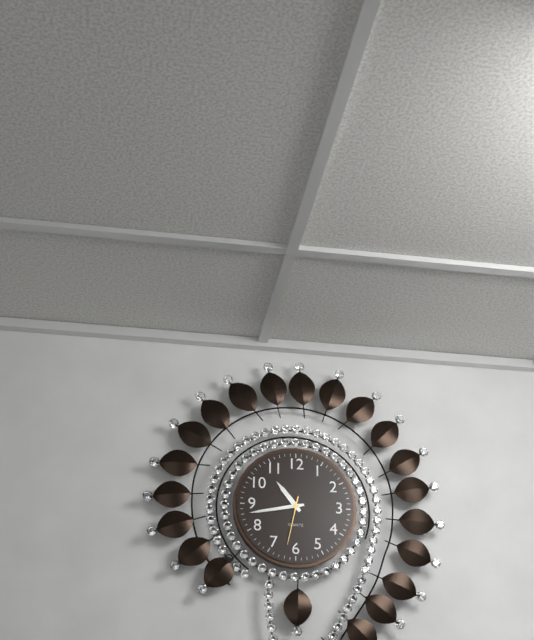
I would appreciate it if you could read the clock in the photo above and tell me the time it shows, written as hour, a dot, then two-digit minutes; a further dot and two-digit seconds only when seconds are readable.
10.43.32
